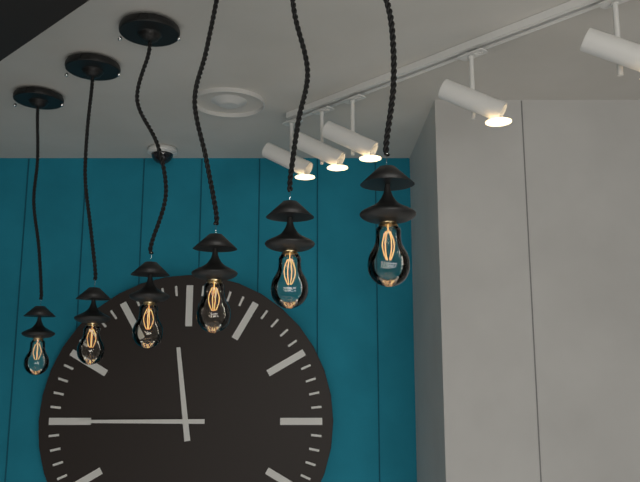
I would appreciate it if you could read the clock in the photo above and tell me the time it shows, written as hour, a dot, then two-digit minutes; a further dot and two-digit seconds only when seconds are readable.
11.45
